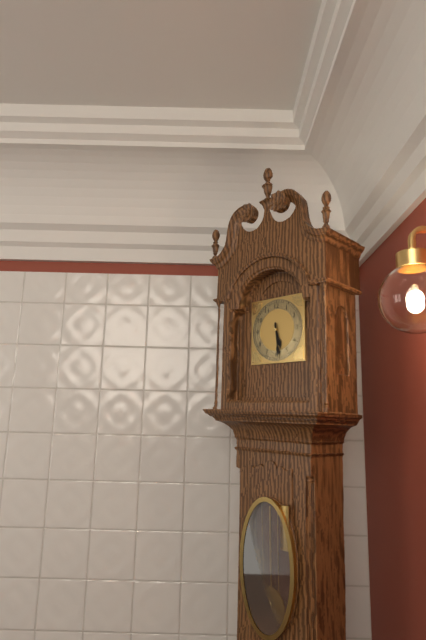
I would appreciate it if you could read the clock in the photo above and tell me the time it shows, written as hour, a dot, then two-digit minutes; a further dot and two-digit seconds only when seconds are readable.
5.29
